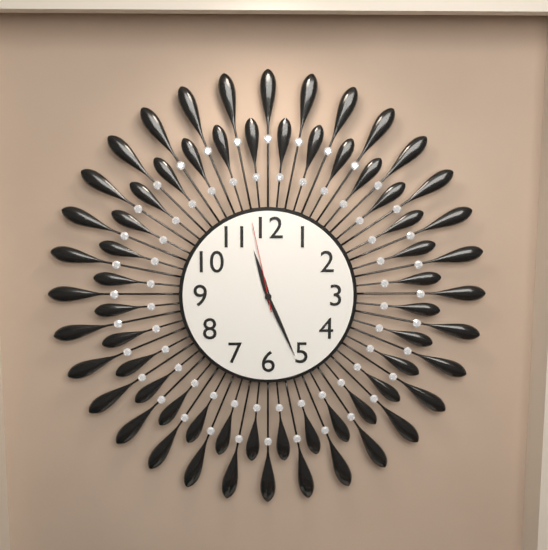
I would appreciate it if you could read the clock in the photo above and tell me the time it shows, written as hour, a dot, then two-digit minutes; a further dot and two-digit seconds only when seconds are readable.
11.26.58
